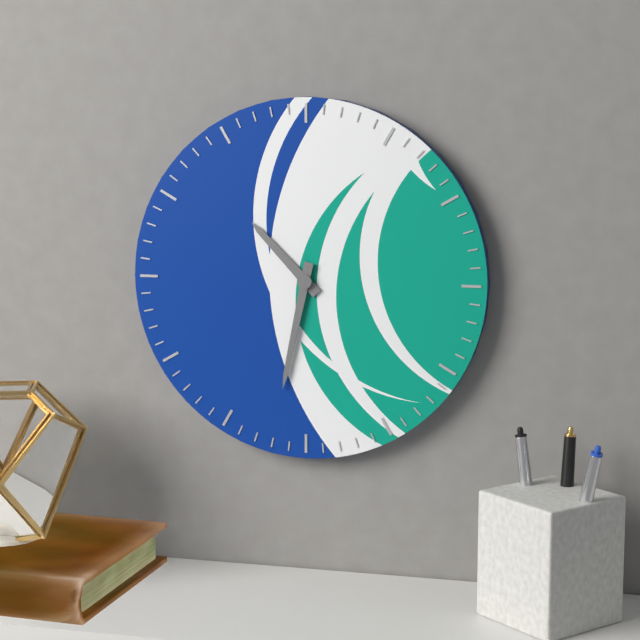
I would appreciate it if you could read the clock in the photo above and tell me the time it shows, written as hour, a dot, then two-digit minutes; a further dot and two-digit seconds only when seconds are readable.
10.32
